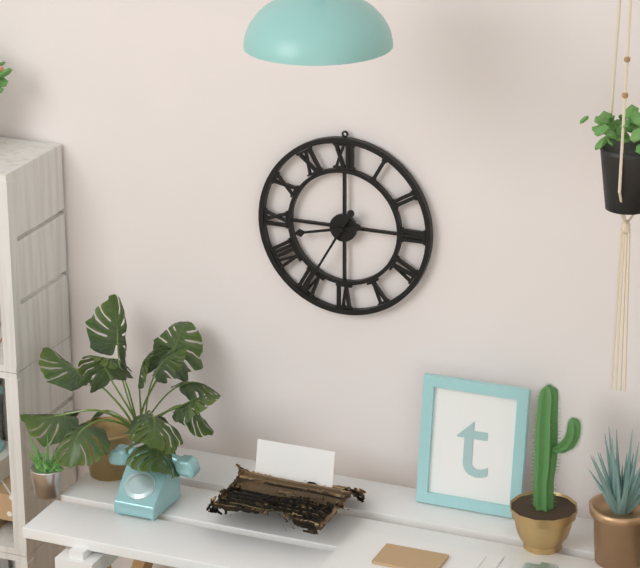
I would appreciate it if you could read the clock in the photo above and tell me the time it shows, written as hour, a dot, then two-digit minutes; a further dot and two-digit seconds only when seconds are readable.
8.35
